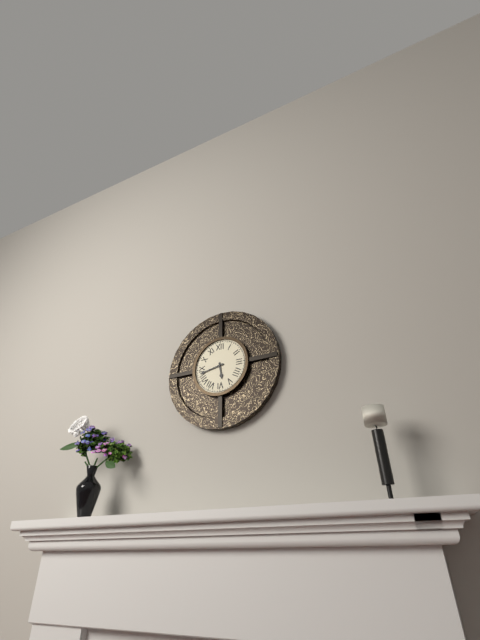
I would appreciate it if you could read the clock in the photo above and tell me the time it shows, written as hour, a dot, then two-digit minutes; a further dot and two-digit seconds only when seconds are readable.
5.43
